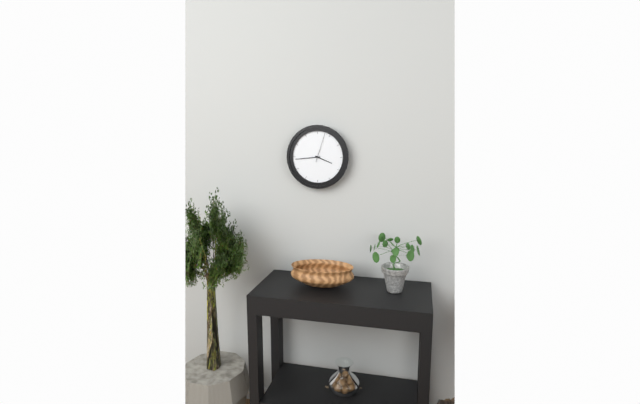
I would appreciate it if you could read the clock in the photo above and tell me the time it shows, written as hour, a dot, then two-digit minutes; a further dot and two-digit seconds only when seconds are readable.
3.44
